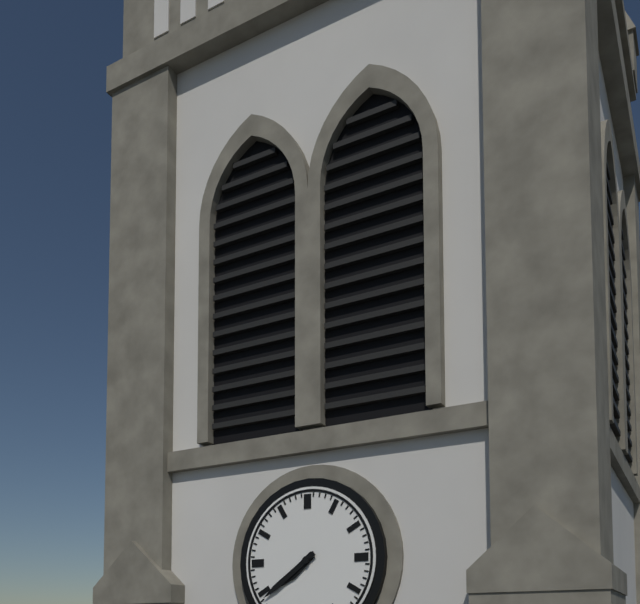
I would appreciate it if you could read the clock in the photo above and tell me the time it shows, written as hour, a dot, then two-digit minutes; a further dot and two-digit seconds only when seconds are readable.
7.39
